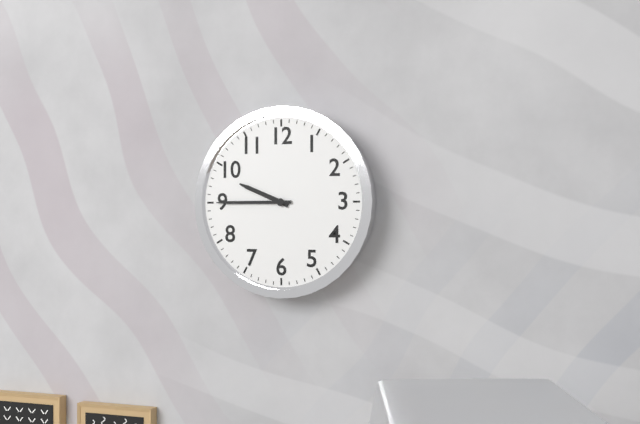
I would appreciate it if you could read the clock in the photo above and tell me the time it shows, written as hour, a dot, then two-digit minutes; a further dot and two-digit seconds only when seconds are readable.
9.45
